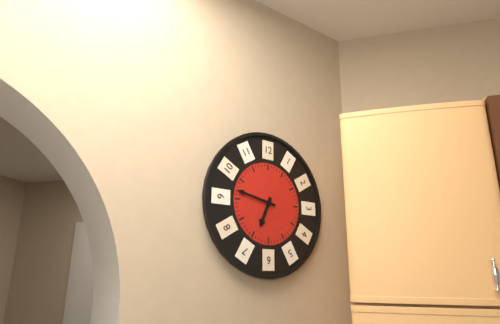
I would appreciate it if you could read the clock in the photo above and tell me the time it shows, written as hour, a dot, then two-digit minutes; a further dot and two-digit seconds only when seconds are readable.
6.47
